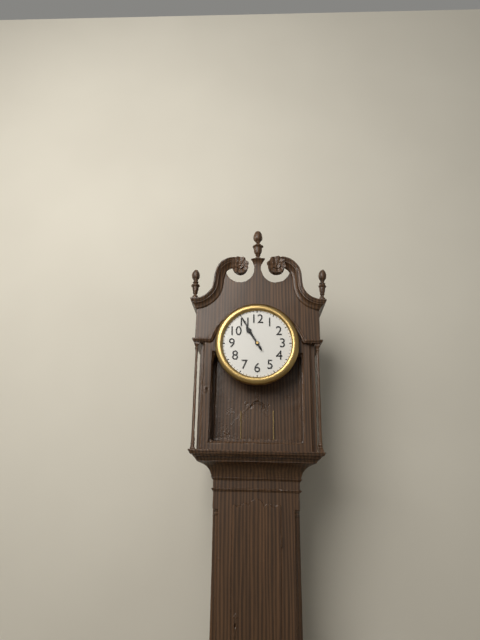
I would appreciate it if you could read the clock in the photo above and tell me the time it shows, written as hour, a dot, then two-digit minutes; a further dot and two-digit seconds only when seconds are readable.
10.55
